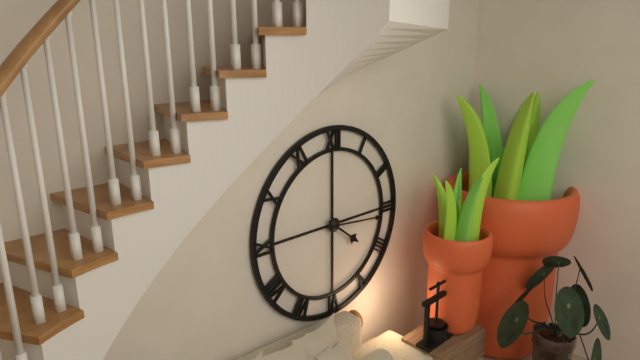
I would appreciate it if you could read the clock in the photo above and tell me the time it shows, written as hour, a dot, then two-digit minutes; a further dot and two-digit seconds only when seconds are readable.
4.16
